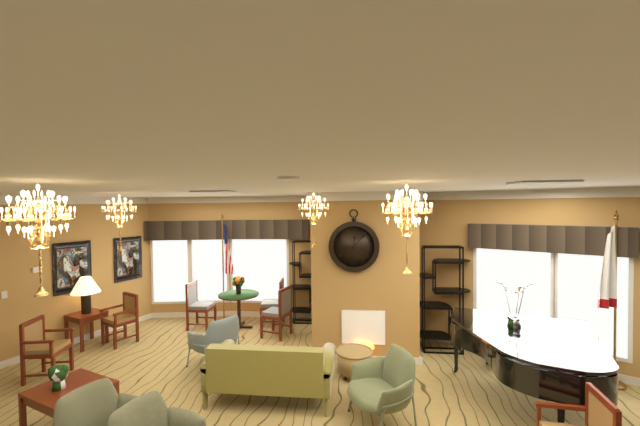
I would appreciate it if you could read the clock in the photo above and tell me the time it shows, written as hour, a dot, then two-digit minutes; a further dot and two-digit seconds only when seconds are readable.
12.07
